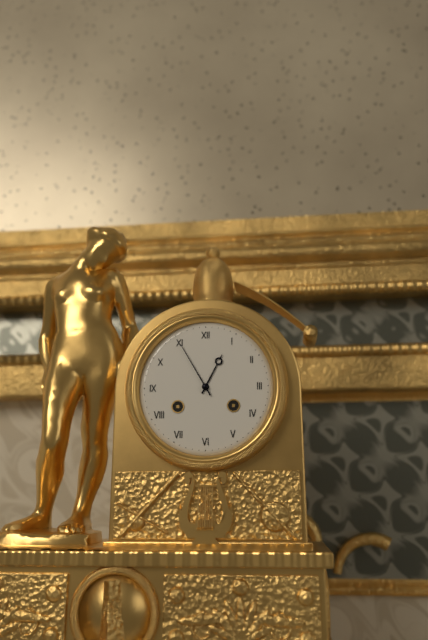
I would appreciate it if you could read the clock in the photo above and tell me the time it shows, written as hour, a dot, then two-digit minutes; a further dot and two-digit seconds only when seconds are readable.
12.55
